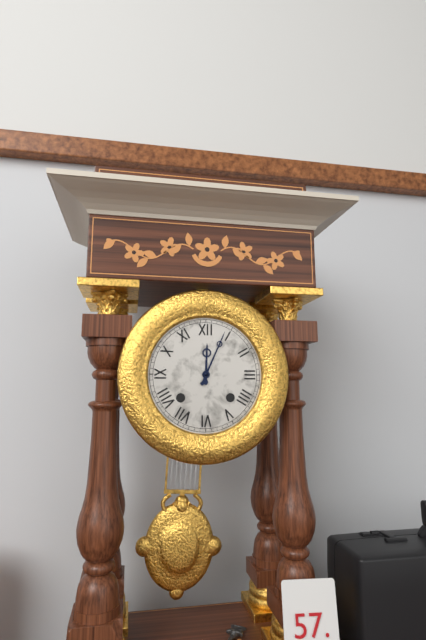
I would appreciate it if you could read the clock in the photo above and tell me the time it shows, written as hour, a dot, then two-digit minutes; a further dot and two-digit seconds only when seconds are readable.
12.04
